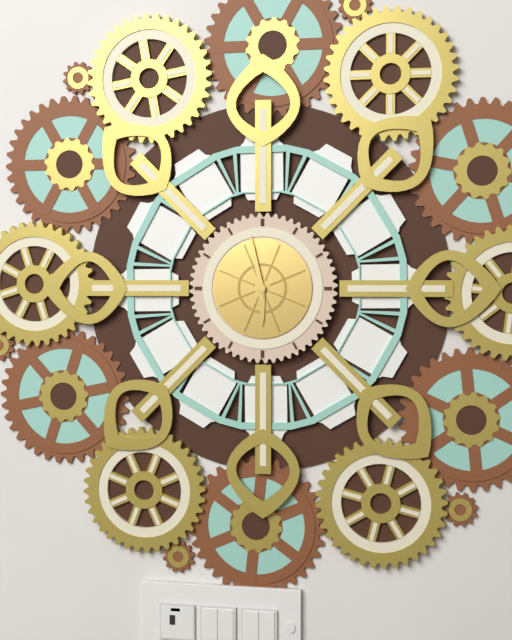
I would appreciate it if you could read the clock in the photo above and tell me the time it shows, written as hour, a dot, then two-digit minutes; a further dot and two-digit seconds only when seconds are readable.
5.58
